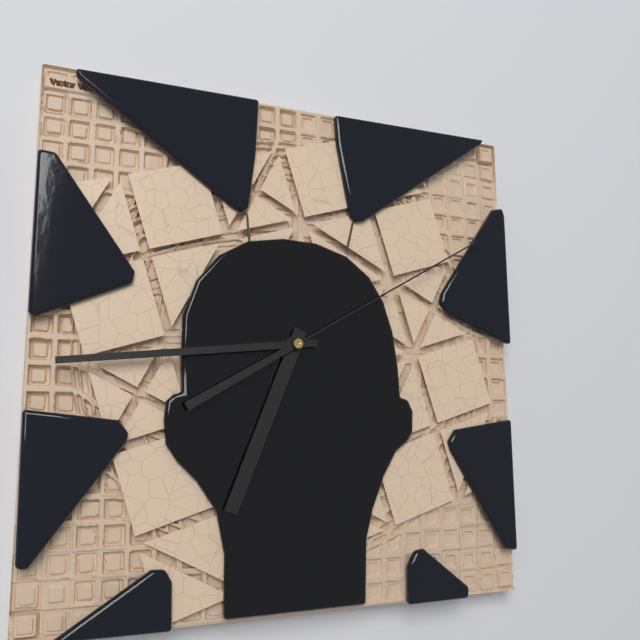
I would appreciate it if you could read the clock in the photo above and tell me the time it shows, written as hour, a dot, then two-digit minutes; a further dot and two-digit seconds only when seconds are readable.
6.44.10
